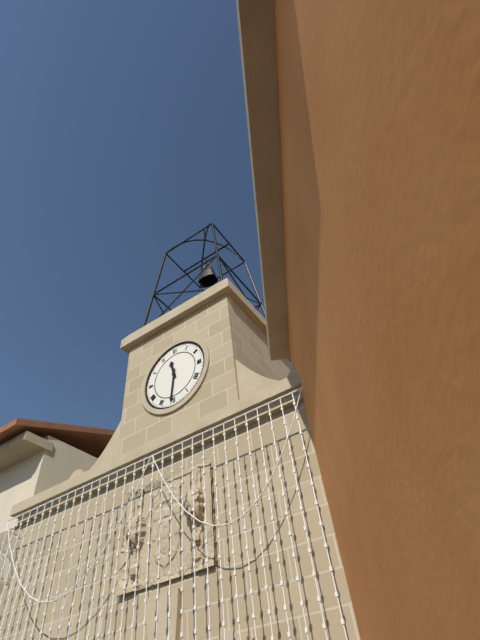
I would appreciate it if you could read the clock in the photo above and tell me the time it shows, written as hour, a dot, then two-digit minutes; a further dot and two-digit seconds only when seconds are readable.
11.31
